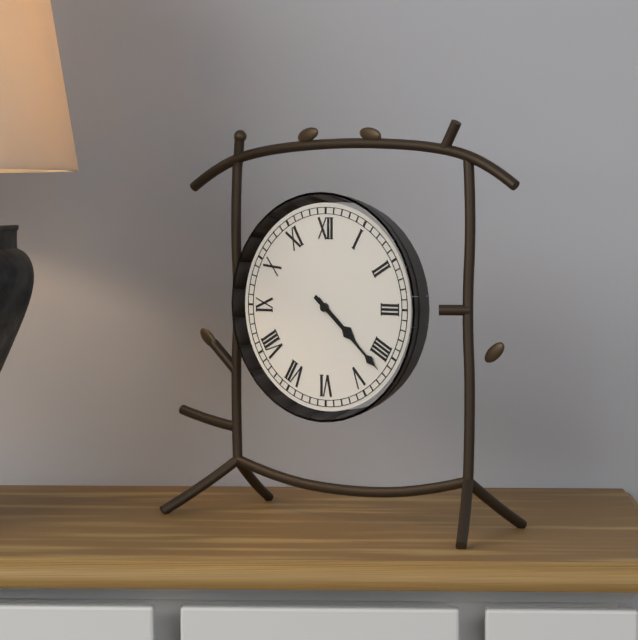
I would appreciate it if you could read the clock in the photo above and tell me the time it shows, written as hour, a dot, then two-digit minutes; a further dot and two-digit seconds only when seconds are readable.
4.22
